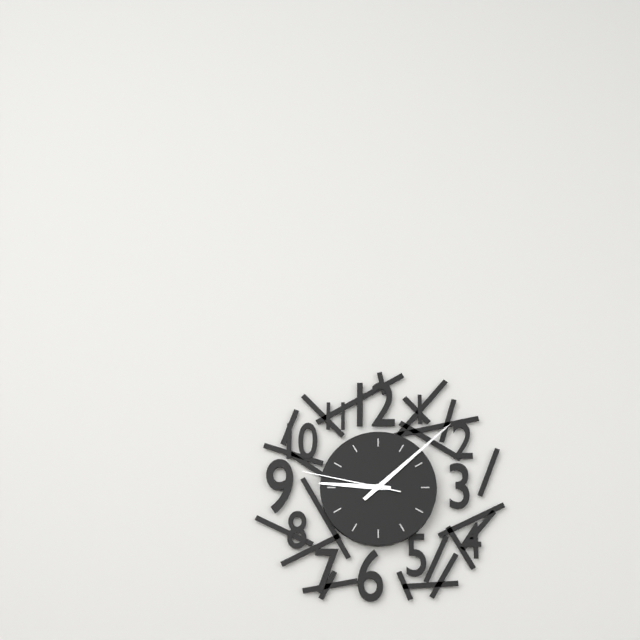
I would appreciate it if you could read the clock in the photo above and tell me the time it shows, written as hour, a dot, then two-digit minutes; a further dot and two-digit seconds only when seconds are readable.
9.08.47
